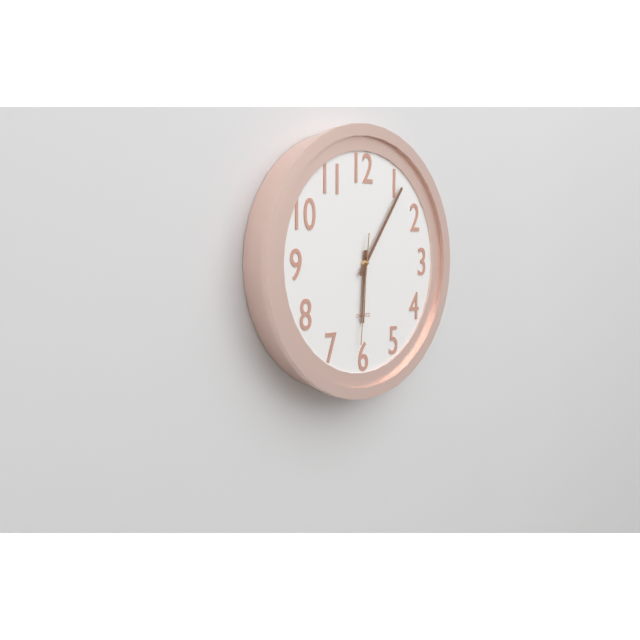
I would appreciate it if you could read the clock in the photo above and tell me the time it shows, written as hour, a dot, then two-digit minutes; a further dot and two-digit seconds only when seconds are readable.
6.06.31
